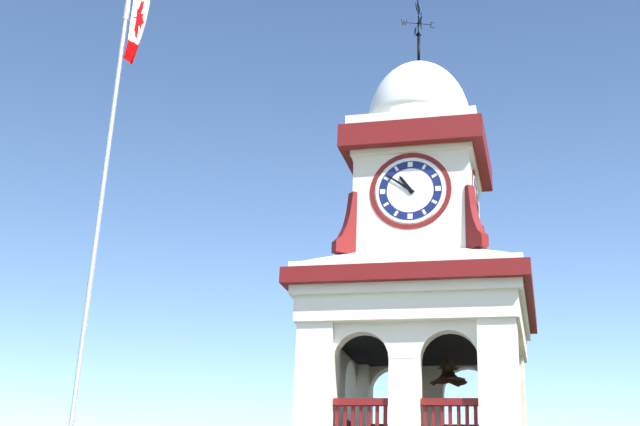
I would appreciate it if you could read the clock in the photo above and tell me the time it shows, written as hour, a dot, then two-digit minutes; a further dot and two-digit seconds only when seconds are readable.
10.51
